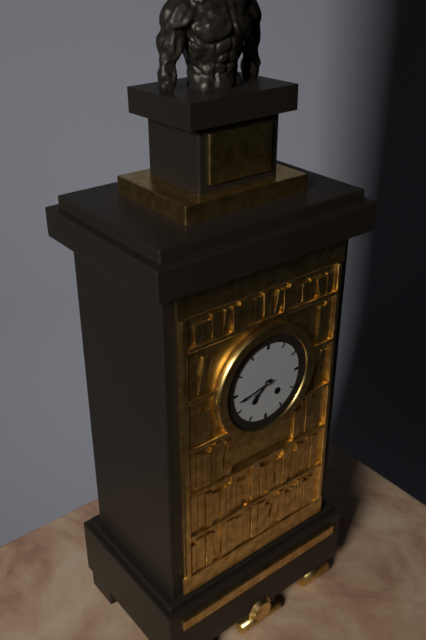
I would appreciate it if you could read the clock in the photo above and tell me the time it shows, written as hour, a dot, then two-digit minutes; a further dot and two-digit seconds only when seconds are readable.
7.43
